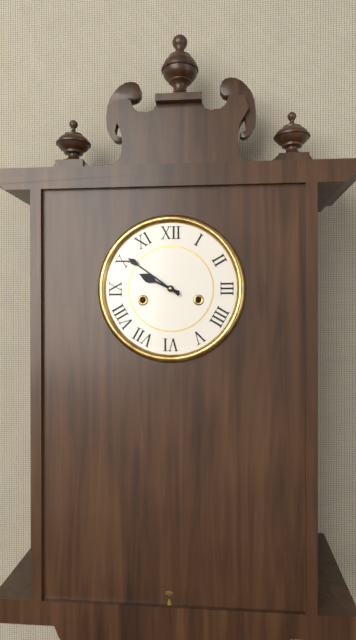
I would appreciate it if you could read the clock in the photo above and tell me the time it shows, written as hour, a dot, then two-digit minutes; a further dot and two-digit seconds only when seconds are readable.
9.51
